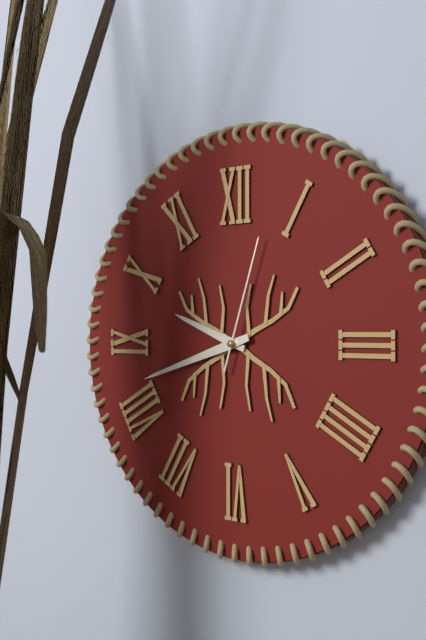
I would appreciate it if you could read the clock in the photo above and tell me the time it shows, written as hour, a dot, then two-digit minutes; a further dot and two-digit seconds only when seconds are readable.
9.42.03
